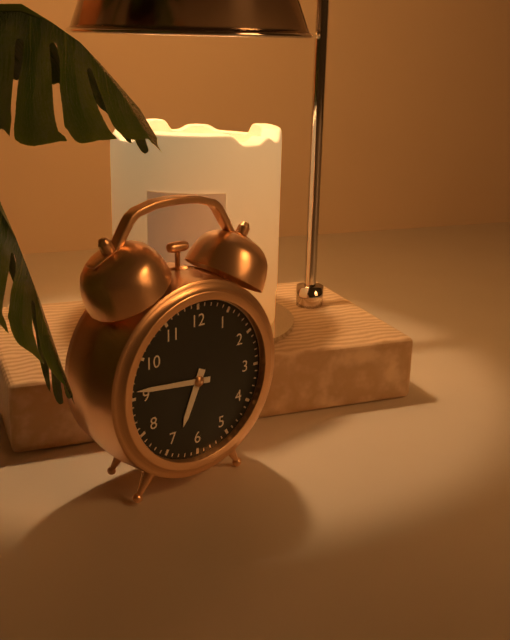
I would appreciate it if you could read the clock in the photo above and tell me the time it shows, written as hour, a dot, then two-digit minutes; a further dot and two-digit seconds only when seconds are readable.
6.46
